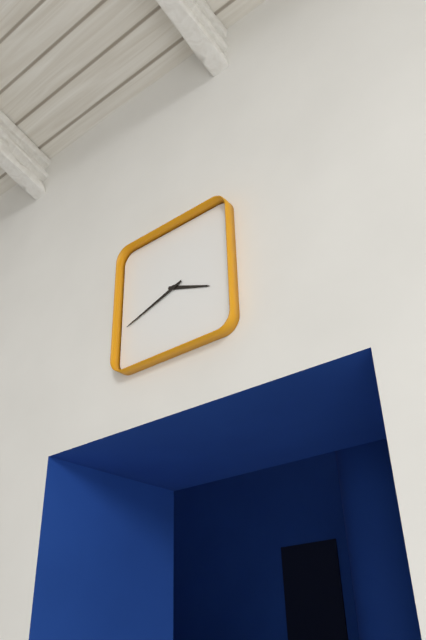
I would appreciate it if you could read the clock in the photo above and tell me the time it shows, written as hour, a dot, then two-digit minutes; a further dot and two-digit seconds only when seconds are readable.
3.42
